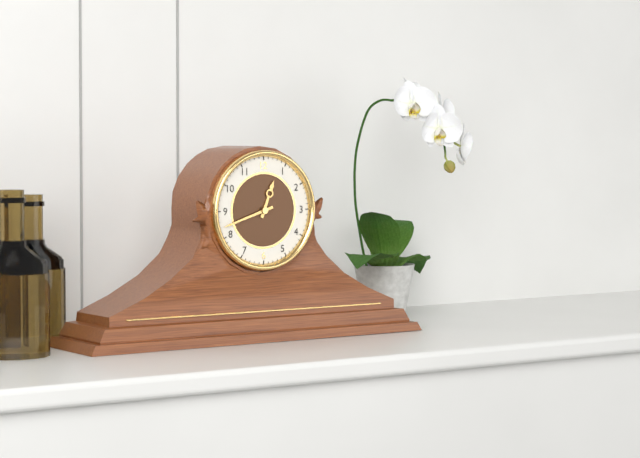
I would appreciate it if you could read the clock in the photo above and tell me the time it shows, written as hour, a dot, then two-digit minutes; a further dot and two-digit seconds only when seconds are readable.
12.42
